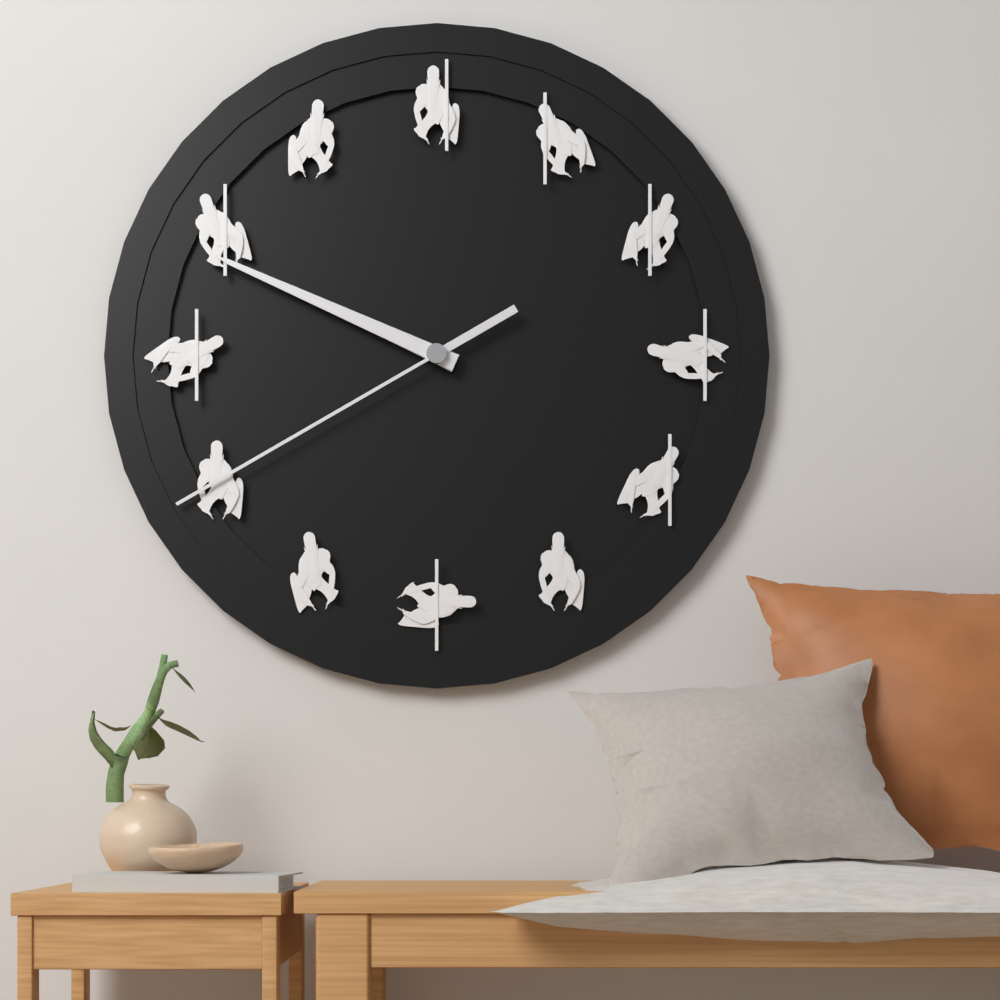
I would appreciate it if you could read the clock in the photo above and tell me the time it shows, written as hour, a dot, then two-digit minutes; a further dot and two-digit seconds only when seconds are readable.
9.49.40
